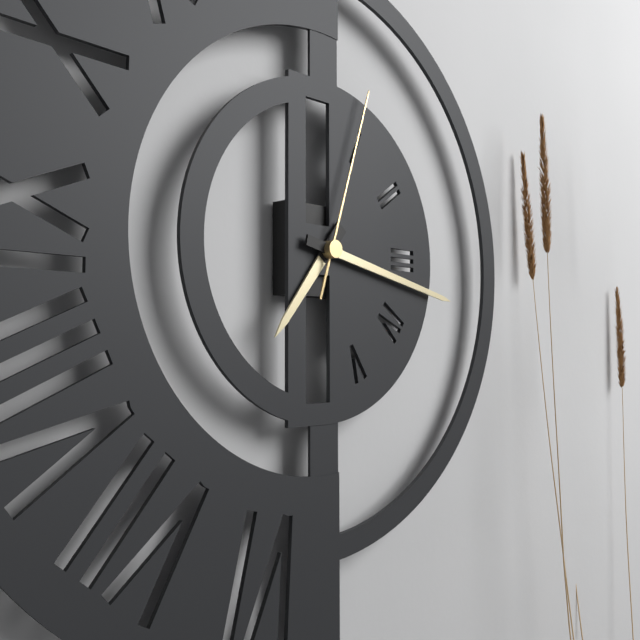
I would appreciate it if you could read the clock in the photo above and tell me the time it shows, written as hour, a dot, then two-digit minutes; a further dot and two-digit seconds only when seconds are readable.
7.17.03
